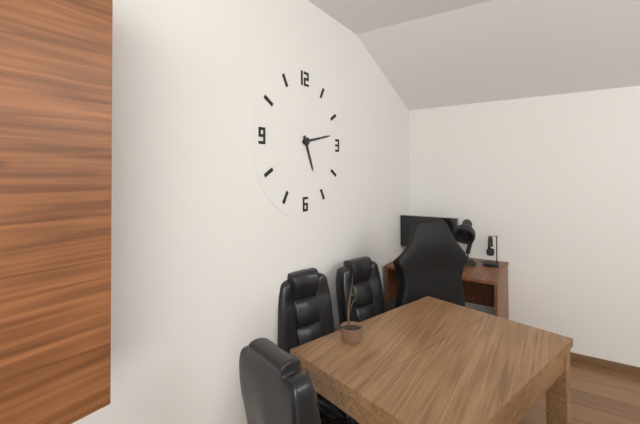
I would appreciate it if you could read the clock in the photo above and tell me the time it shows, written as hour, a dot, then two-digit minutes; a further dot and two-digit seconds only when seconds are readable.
5.13
